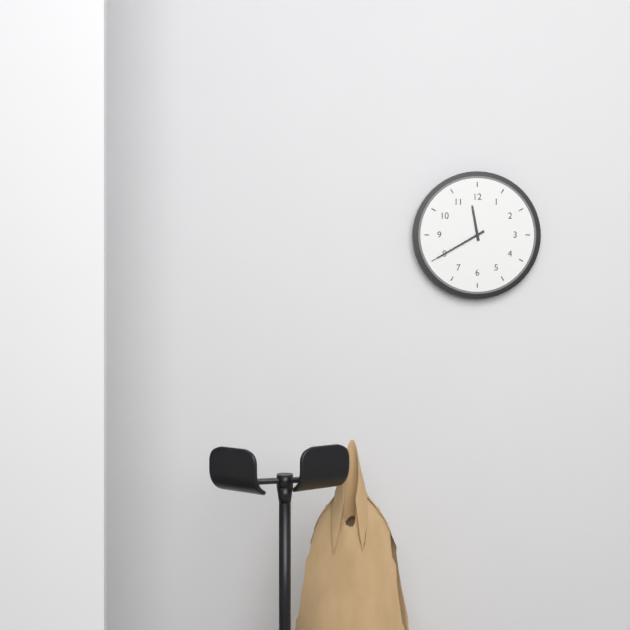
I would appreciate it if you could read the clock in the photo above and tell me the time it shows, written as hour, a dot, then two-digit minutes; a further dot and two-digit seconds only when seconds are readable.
11.40
